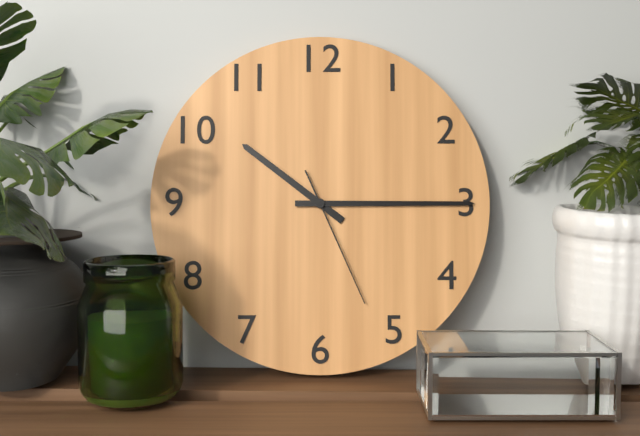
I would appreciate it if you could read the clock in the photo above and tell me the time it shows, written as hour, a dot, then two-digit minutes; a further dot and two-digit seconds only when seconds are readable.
10.15.26
